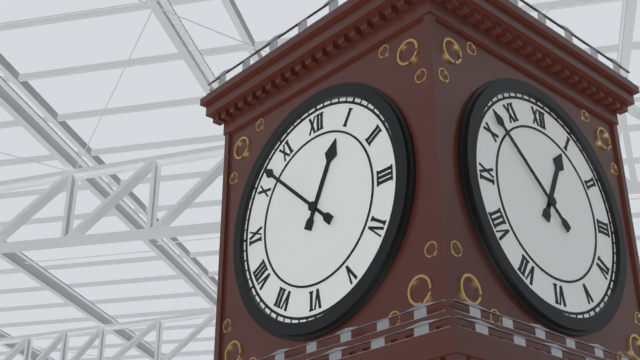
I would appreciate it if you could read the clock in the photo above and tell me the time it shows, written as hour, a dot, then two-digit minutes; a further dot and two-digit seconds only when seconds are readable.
12.52
